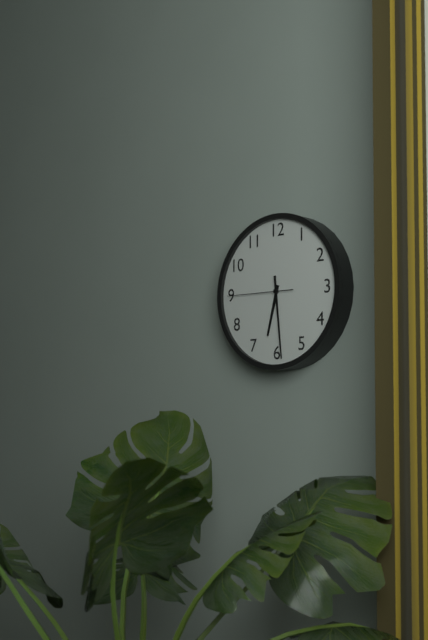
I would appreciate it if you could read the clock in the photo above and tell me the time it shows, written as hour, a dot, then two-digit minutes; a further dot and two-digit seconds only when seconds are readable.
6.29.45
